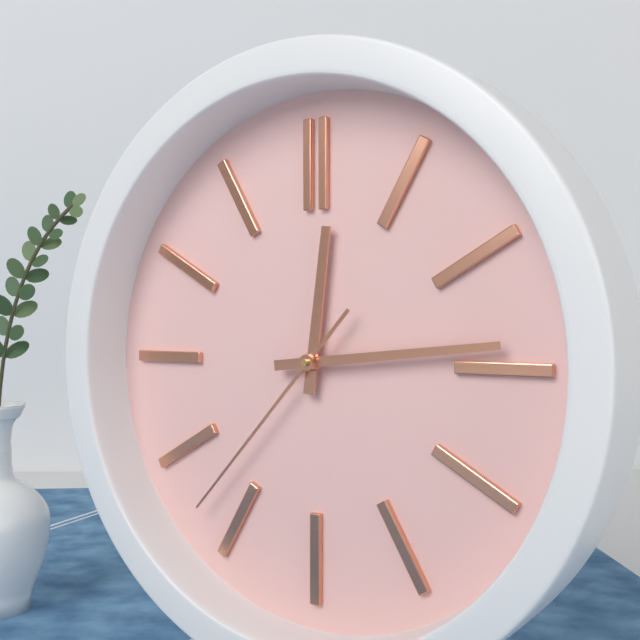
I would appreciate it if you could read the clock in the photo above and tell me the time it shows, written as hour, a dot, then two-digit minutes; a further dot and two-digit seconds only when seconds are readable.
12.14.37
